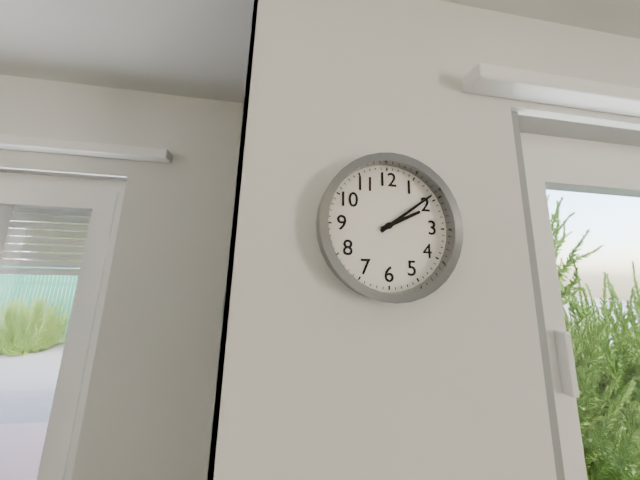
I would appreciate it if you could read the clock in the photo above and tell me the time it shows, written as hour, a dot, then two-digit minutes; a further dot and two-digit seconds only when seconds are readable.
2.09
